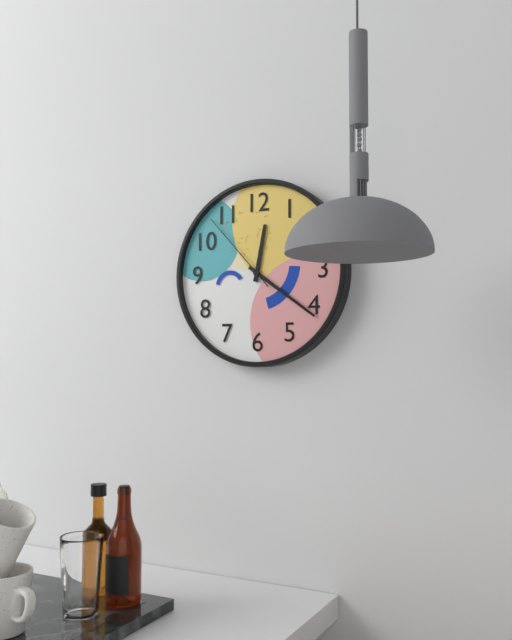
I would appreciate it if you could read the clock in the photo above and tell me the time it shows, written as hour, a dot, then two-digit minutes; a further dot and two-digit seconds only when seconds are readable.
12.21.53
